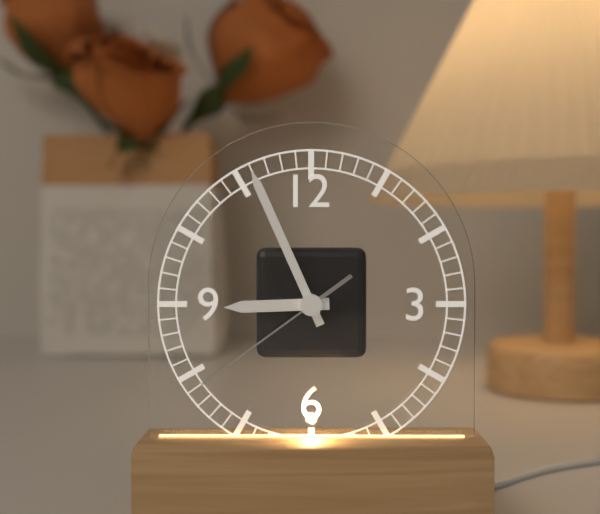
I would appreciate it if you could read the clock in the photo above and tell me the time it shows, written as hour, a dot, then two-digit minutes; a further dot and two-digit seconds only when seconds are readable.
8.56.39
